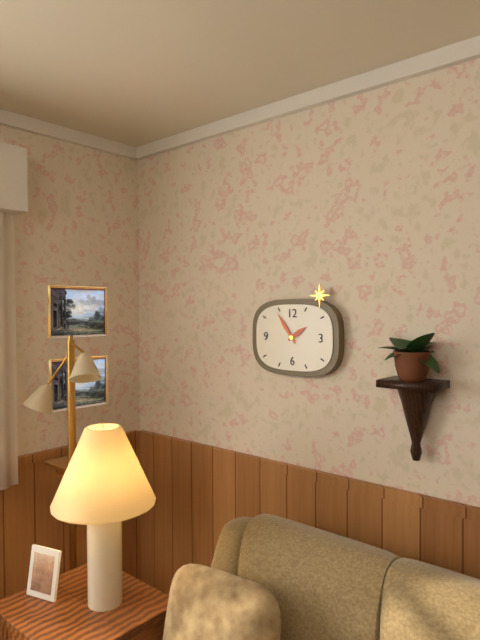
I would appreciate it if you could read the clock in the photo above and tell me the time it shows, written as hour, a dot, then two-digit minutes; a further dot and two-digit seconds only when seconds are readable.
1.54
